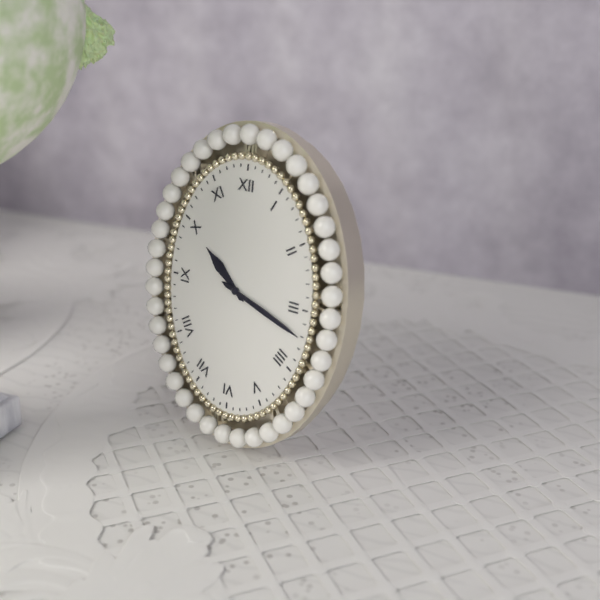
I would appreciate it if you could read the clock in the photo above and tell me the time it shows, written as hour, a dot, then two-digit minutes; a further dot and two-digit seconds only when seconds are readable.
10.18
